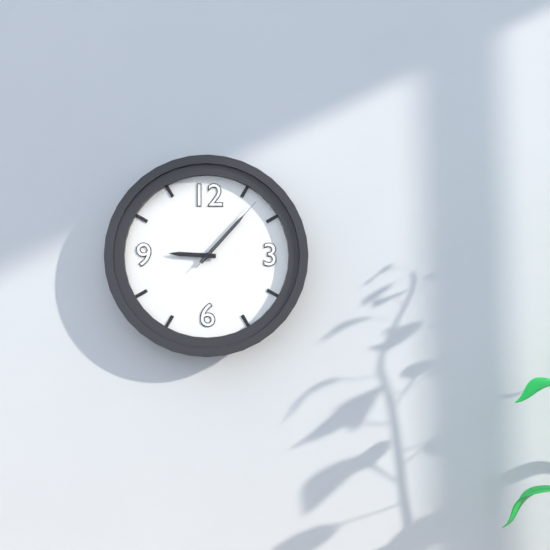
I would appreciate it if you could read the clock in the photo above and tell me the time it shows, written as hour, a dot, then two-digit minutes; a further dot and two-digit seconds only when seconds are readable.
9.07.07
